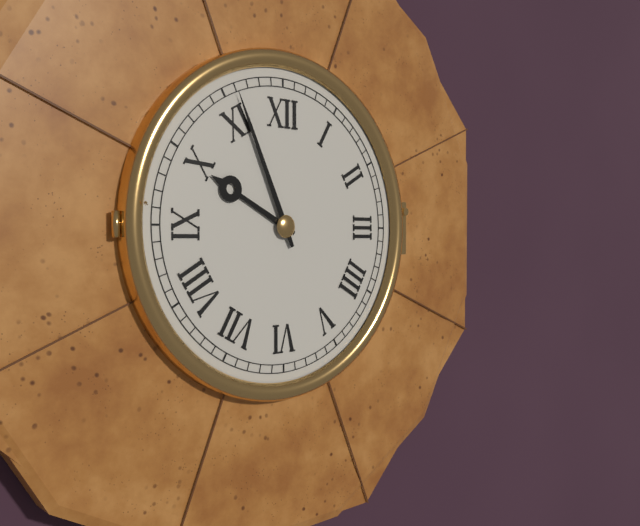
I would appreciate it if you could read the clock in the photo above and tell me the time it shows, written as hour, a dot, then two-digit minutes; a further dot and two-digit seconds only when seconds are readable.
9.56
